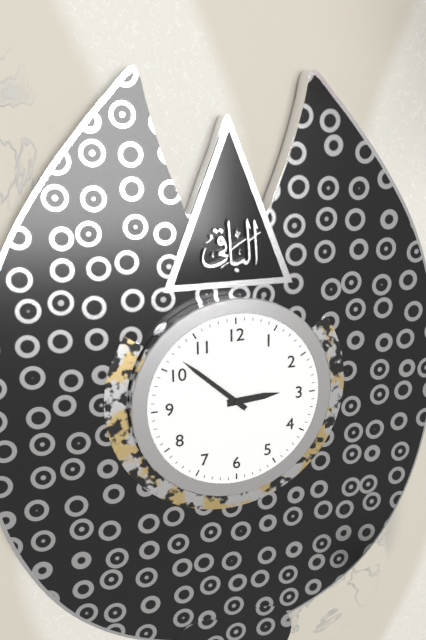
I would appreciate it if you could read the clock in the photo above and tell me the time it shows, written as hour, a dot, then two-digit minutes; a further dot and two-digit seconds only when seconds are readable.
2.52
